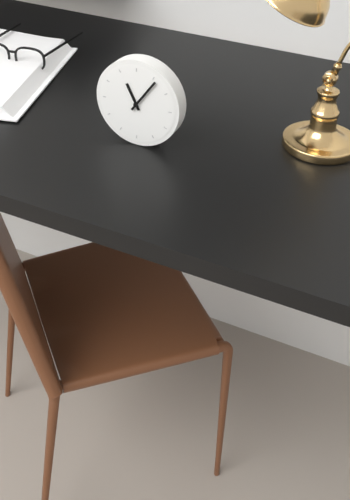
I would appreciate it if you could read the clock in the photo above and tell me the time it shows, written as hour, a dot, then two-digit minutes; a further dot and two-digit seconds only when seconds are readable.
11.06
